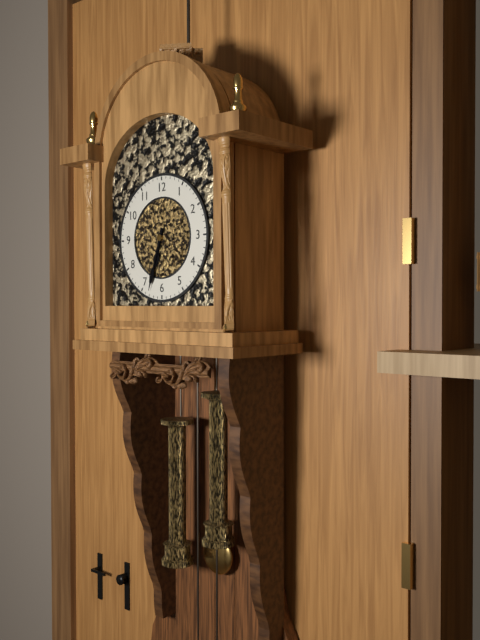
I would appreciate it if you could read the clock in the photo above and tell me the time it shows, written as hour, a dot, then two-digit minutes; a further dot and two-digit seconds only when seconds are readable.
6.33
